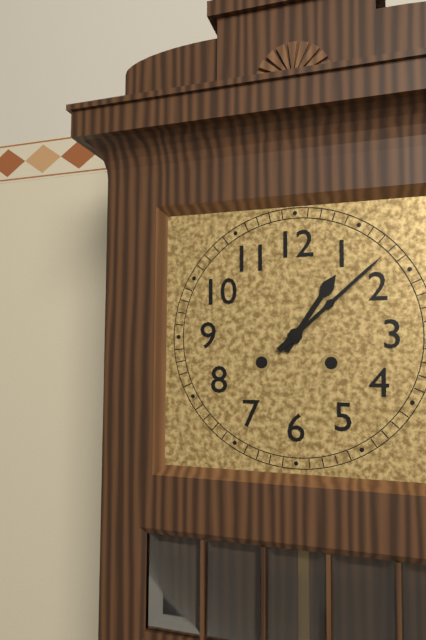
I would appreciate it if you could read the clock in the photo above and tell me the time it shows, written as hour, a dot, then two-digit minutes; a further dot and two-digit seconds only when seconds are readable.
1.08
